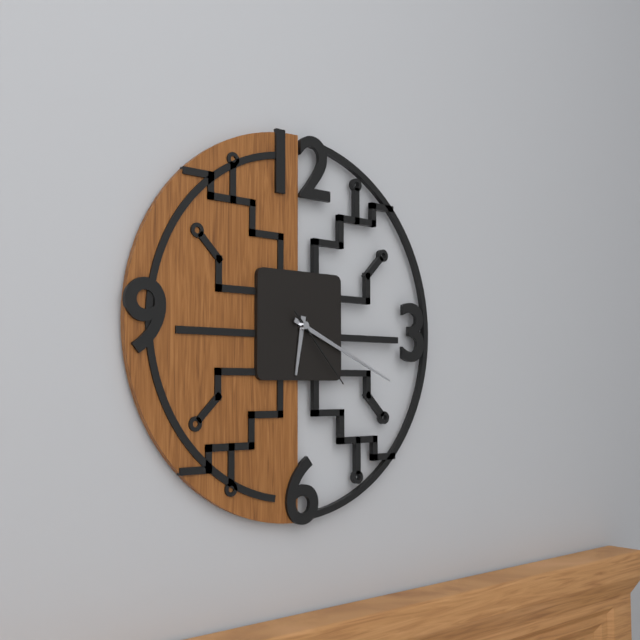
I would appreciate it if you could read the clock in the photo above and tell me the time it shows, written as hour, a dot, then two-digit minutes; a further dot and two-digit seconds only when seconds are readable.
6.19.23
